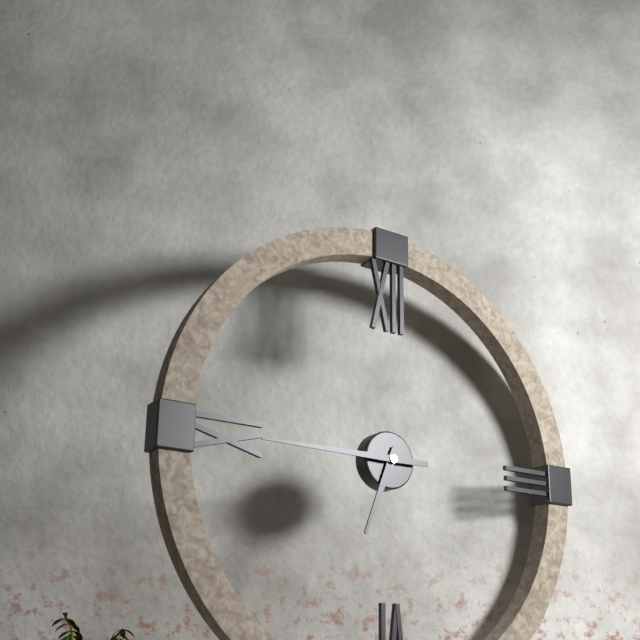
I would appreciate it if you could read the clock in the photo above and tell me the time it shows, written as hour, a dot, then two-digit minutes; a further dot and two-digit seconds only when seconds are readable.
6.45
